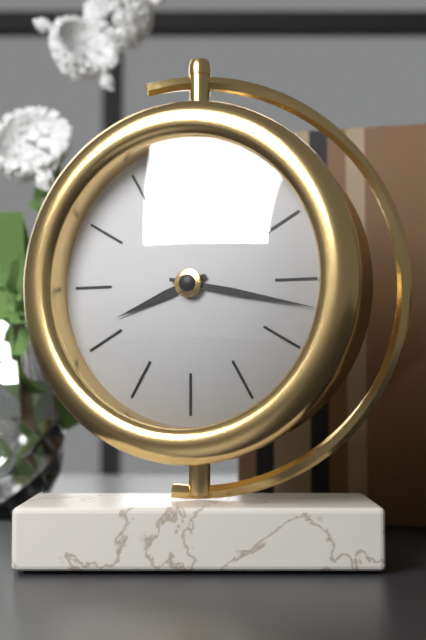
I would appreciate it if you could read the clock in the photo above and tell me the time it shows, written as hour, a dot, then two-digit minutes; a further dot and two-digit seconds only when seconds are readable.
8.17
